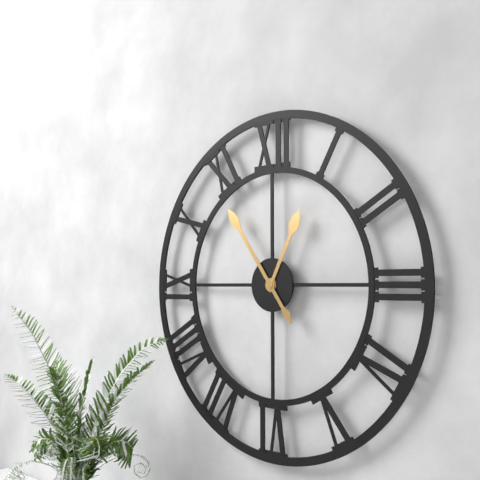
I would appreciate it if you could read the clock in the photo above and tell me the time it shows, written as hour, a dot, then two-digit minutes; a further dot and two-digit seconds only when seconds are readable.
12.54
